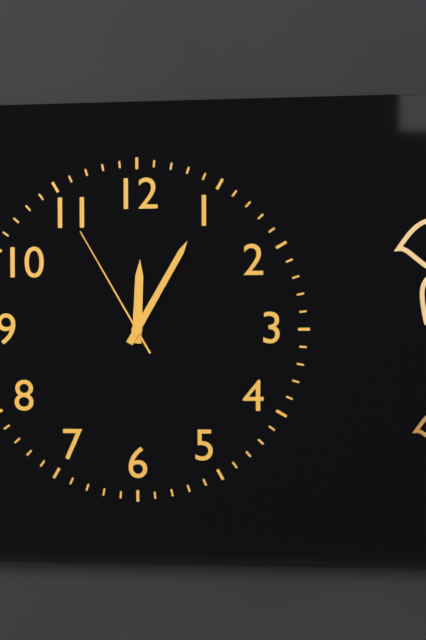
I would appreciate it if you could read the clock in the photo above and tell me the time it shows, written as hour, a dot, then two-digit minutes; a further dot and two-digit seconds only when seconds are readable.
12.05.55
